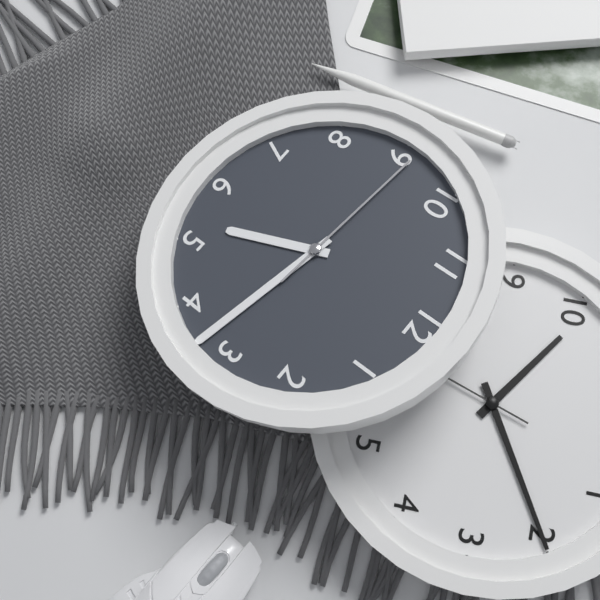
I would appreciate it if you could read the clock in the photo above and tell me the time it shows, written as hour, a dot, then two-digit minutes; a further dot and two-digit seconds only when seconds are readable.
5.17.46
